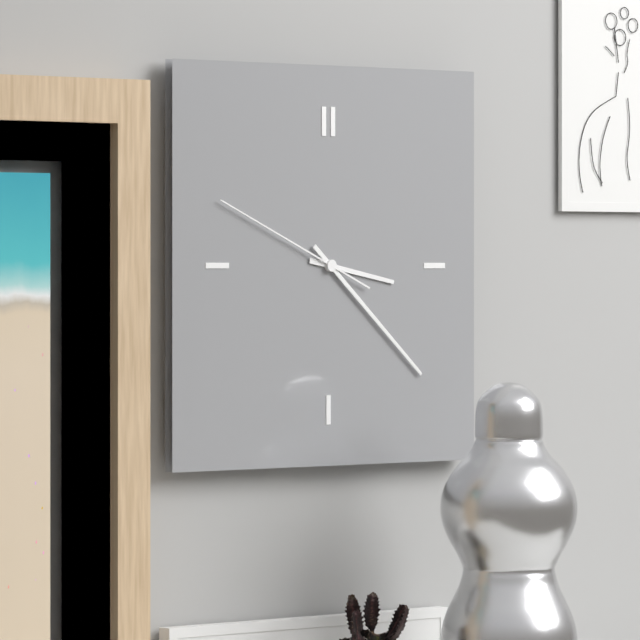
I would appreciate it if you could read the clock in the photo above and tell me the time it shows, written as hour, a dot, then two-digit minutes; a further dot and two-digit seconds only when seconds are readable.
3.22.49
